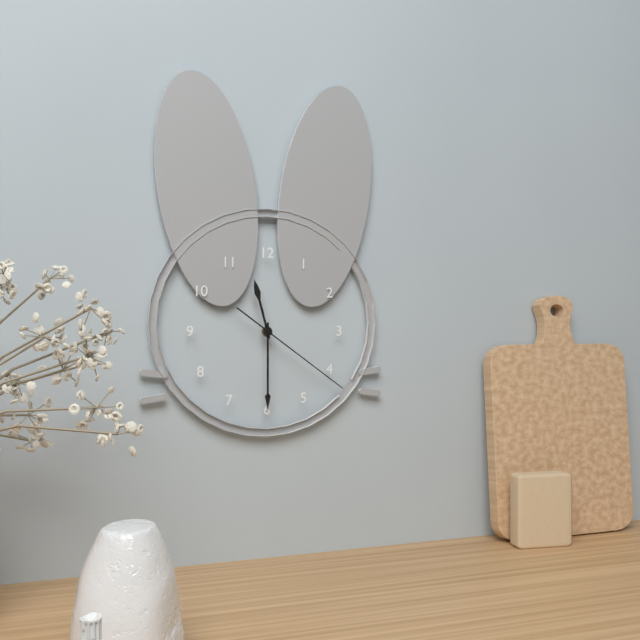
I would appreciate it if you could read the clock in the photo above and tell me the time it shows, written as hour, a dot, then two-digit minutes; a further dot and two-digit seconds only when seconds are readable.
11.30.21
